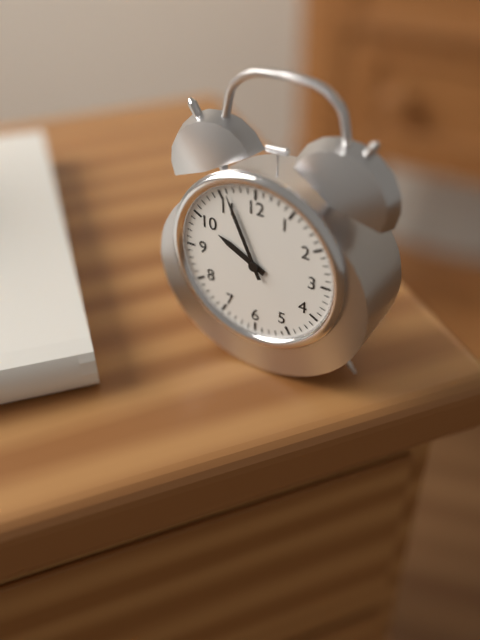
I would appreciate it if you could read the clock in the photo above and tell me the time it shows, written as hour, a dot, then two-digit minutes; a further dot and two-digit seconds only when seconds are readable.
9.56
